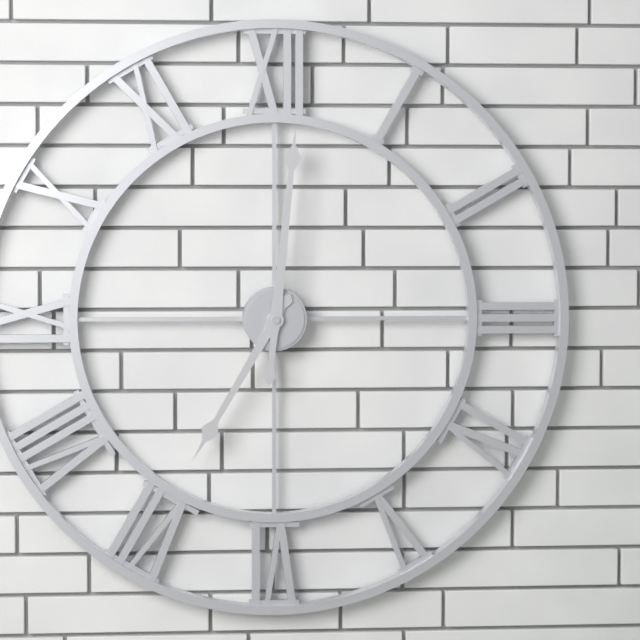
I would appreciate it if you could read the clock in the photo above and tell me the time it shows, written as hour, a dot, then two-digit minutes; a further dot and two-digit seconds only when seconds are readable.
7.01
